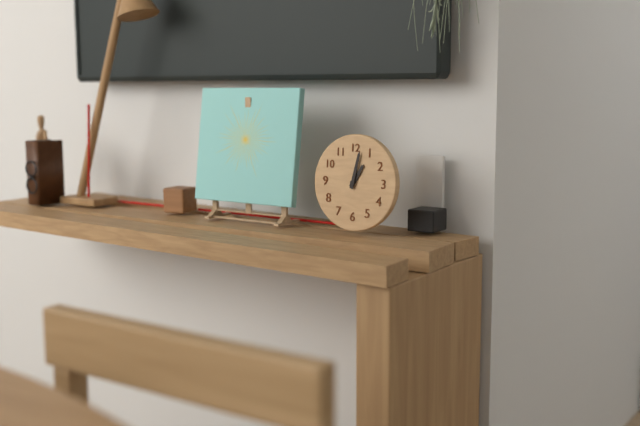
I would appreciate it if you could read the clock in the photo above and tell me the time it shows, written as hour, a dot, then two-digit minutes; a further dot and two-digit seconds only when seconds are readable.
1.02
